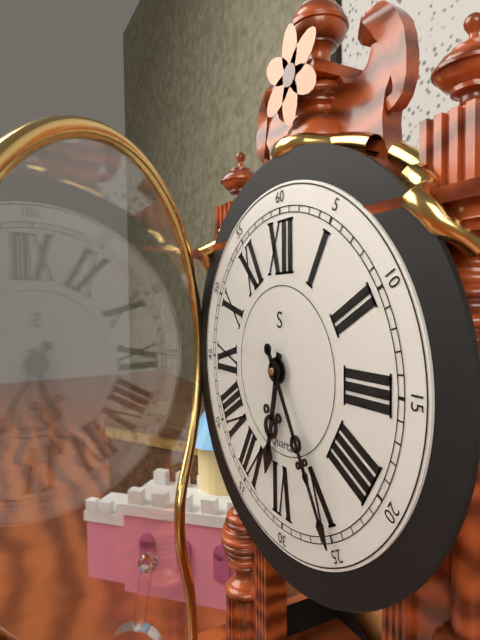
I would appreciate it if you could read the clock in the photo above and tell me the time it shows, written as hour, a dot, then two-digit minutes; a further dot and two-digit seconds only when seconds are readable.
6.25
